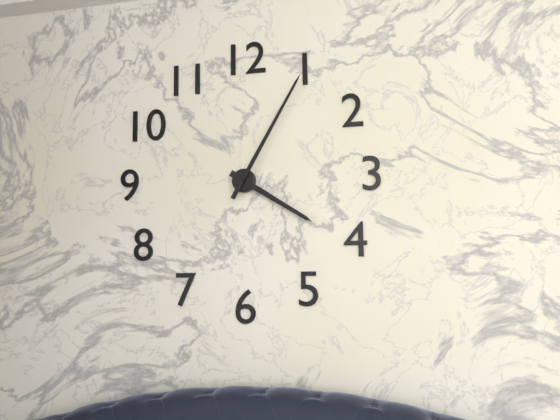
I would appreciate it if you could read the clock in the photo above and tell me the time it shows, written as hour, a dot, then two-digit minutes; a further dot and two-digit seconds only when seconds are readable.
4.05
